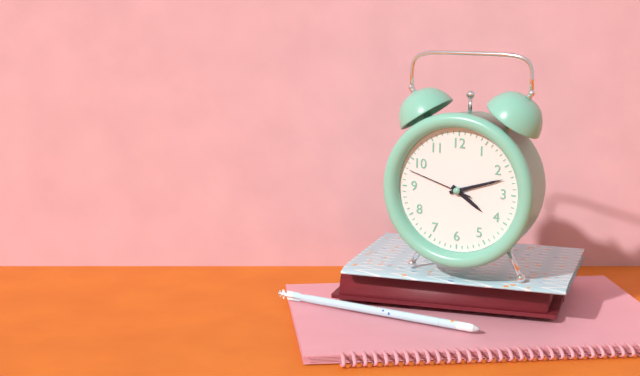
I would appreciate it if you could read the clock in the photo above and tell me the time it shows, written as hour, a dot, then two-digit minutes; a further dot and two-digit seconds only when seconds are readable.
4.12.48
